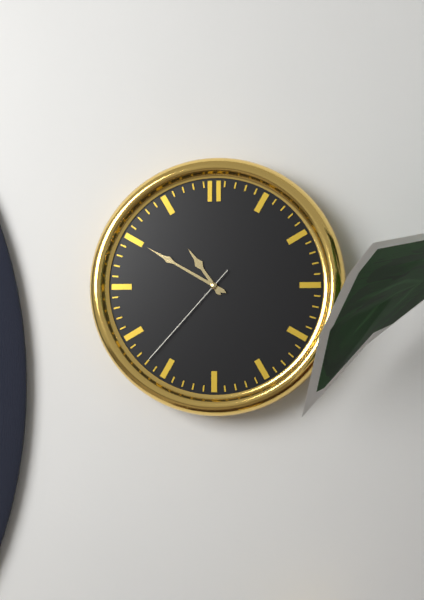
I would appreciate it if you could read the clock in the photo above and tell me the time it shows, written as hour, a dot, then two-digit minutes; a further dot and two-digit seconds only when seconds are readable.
10.50.37
